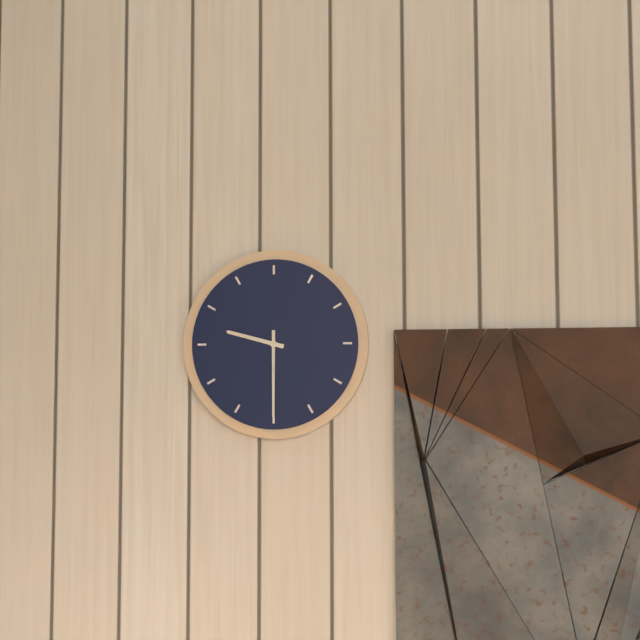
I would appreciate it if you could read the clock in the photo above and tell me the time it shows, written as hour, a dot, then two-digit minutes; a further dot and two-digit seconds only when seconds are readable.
9.30
